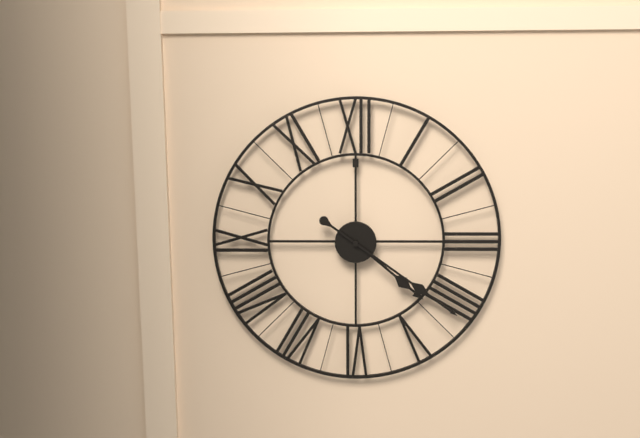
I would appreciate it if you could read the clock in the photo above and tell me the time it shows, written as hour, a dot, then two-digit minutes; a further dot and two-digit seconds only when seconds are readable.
4.21
